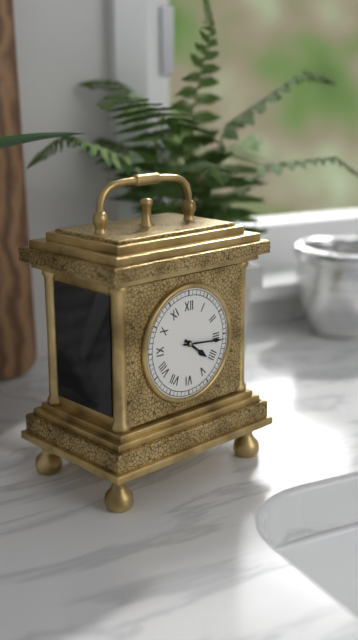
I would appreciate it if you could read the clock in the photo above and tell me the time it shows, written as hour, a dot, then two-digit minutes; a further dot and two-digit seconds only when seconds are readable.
4.16
